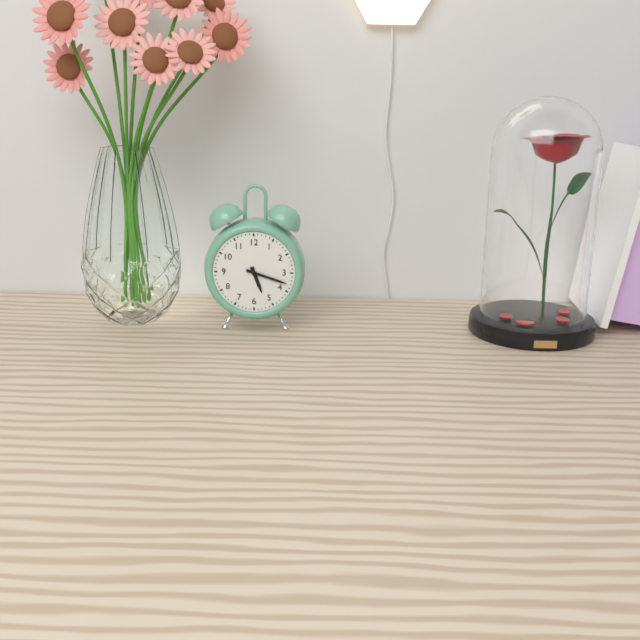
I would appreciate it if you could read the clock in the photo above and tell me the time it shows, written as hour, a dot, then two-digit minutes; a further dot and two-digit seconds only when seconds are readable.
5.18
